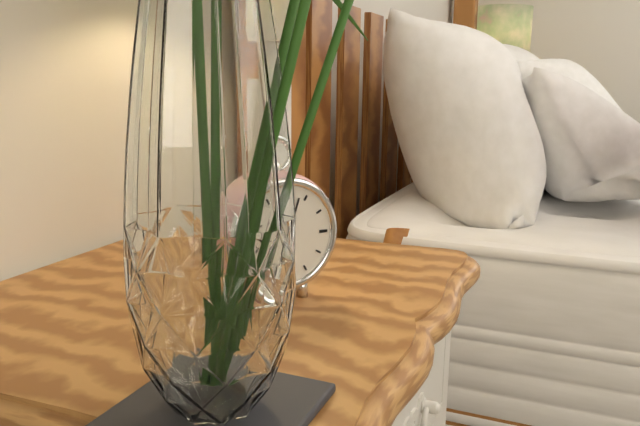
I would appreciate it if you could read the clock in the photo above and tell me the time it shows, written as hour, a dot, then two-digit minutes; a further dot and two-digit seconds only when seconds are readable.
8.03
